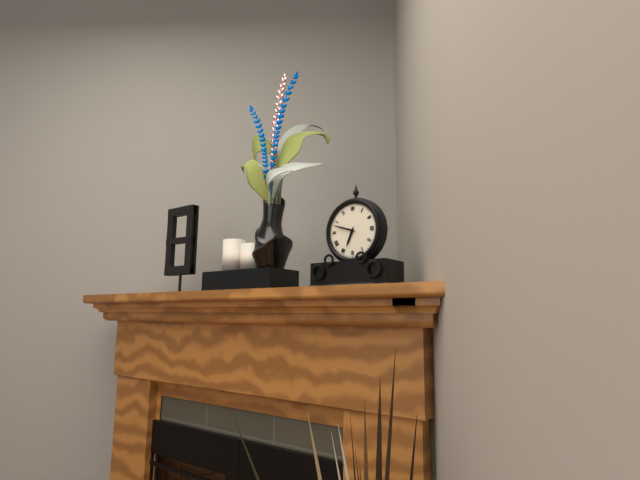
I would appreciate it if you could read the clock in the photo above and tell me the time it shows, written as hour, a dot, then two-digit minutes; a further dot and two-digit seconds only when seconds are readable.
6.48
